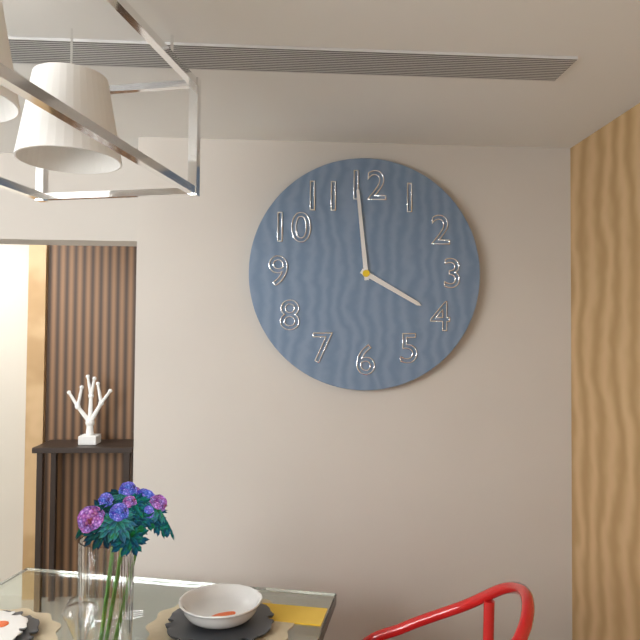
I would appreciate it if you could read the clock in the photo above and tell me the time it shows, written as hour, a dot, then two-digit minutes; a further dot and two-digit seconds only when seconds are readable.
3.59
